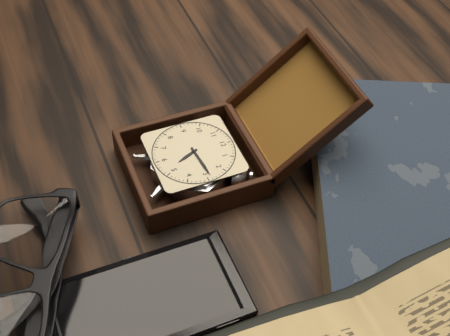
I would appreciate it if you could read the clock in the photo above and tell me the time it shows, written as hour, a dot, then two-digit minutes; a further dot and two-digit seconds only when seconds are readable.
5.14
